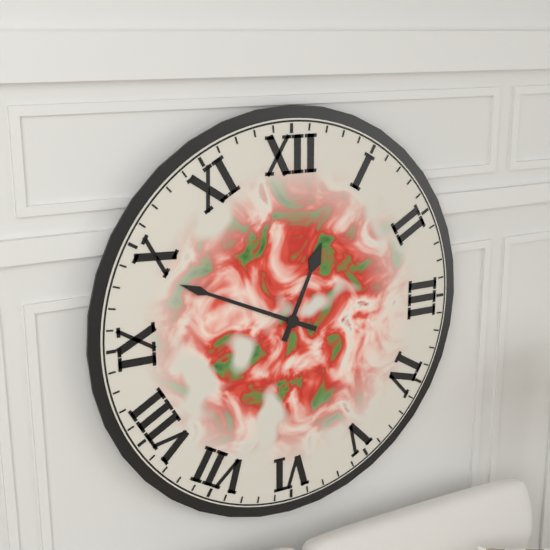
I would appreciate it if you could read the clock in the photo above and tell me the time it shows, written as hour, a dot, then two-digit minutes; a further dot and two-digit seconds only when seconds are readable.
12.49
